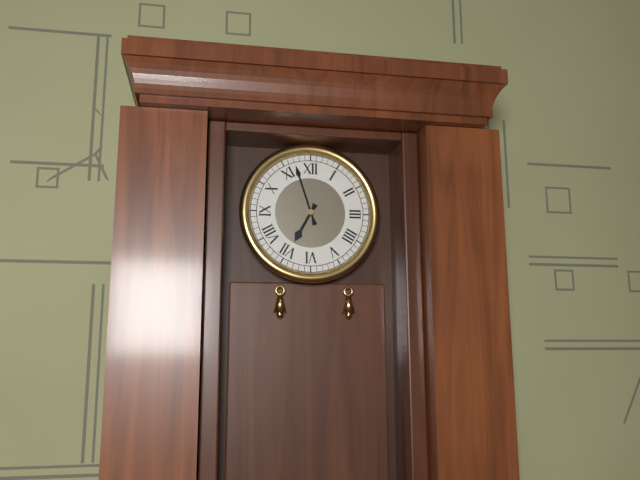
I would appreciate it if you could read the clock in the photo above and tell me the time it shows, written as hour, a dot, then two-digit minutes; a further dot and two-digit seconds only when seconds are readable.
6.57
